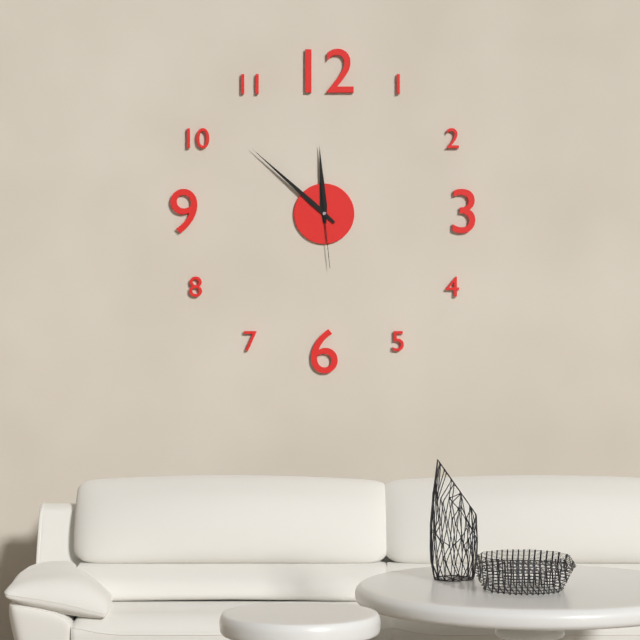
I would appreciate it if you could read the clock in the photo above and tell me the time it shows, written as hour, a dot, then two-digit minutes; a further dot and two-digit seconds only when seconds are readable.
11.52.29
